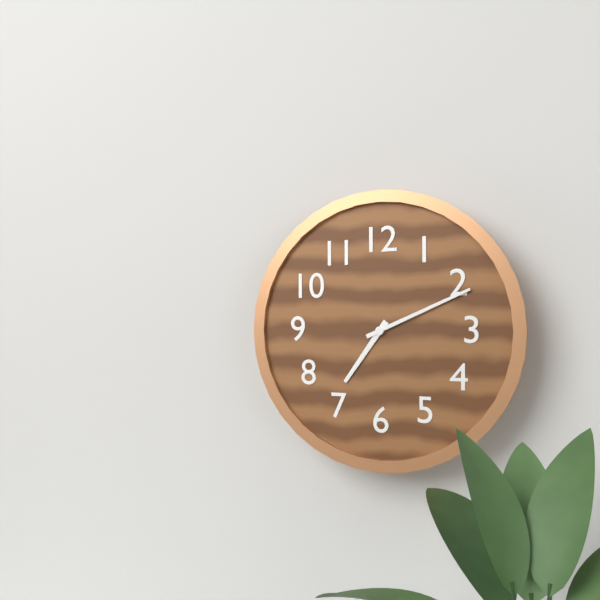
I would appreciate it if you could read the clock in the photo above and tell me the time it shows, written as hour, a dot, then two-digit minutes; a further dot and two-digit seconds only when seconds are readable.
7.11
